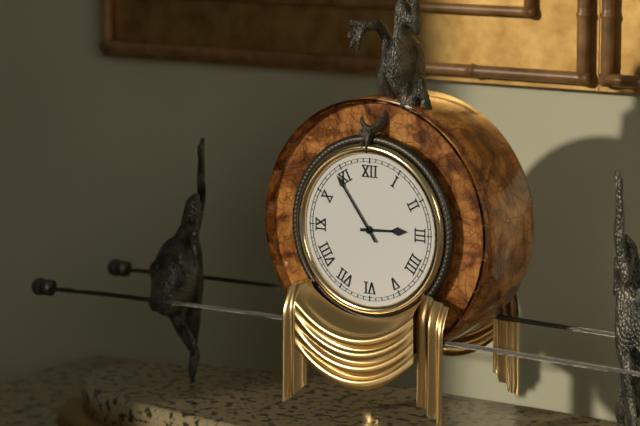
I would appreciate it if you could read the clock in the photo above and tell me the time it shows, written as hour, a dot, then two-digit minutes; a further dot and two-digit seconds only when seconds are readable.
2.54
